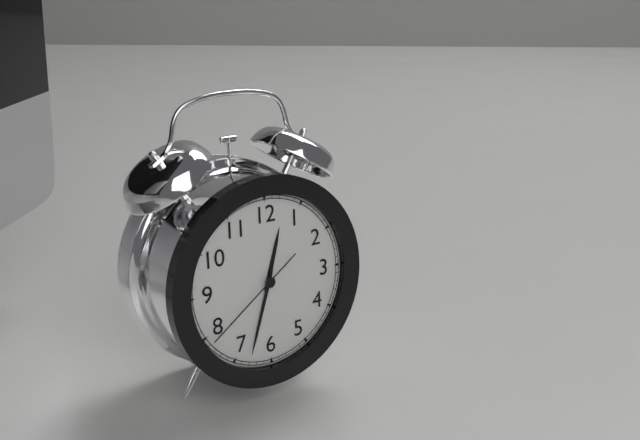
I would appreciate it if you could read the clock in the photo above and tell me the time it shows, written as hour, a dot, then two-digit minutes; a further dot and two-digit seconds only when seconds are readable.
12.33.39
